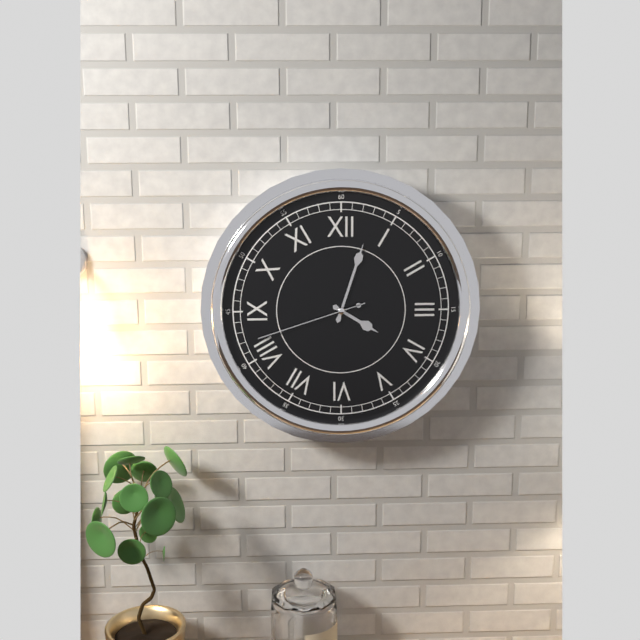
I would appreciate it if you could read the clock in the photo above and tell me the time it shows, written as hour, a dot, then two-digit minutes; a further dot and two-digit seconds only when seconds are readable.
4.03.42
